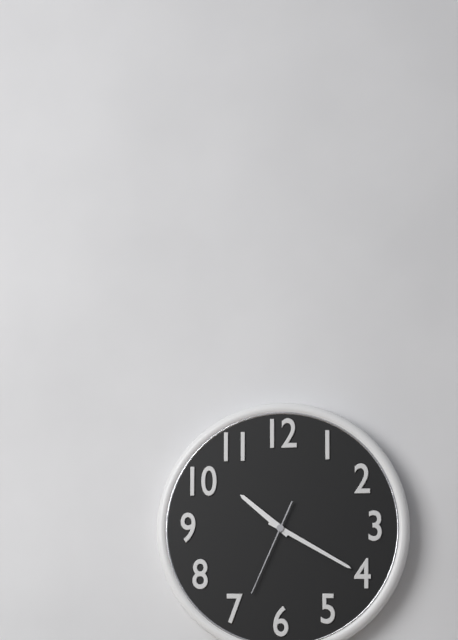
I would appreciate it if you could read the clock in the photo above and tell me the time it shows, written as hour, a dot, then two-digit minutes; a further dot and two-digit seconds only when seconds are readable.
10.20.34
